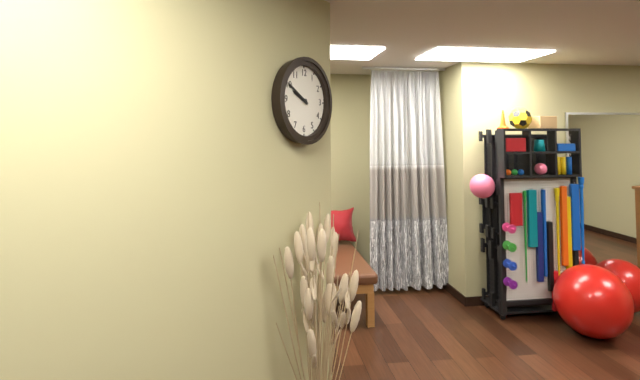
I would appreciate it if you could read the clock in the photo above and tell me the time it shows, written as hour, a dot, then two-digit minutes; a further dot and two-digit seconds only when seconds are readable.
9.50
